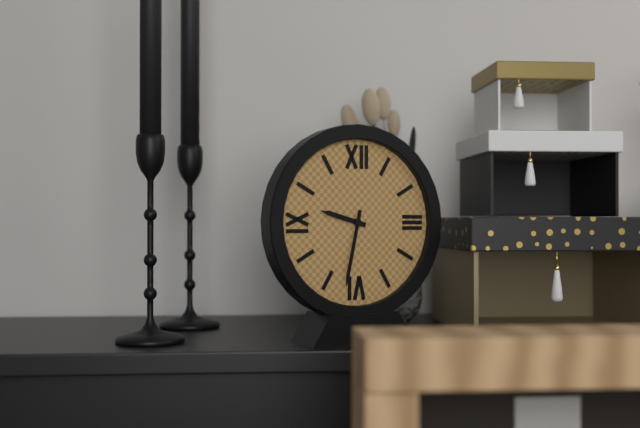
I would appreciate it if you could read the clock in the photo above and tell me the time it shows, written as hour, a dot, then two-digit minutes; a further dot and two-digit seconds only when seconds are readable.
9.32
